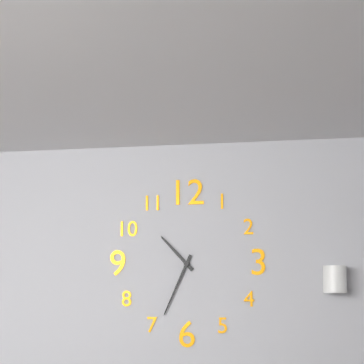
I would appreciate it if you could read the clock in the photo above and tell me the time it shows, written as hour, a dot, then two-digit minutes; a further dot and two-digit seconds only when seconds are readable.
10.34
